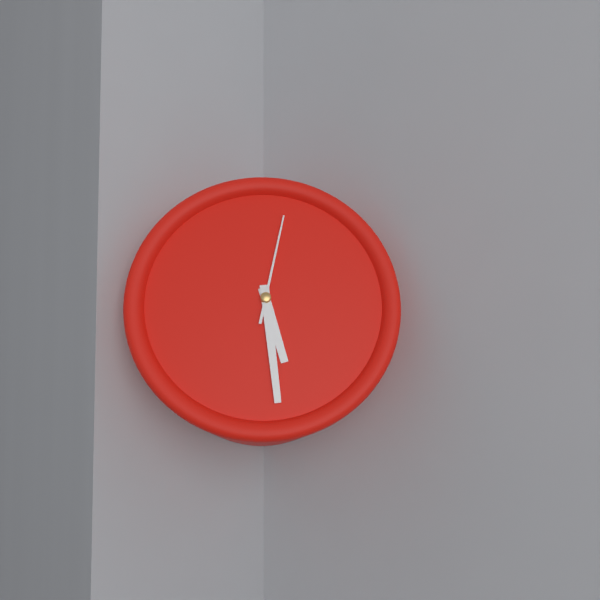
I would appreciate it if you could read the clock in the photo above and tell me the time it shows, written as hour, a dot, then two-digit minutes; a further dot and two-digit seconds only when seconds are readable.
5.29.02
